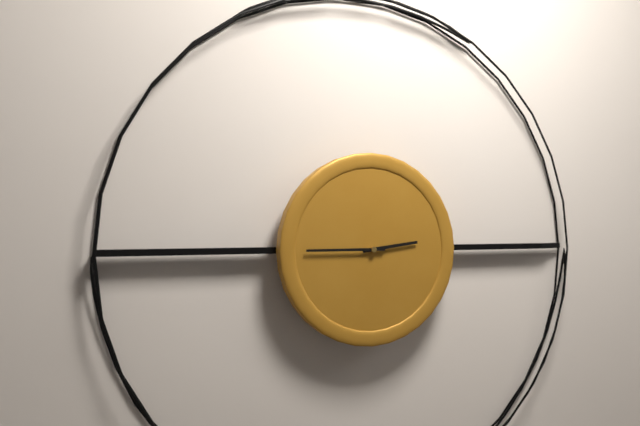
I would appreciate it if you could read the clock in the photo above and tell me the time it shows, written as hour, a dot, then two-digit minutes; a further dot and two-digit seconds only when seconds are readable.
2.45
